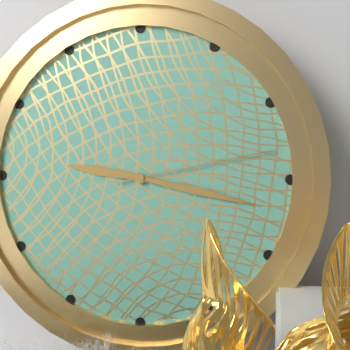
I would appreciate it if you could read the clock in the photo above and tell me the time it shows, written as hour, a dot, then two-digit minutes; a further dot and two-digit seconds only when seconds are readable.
9.17.13
